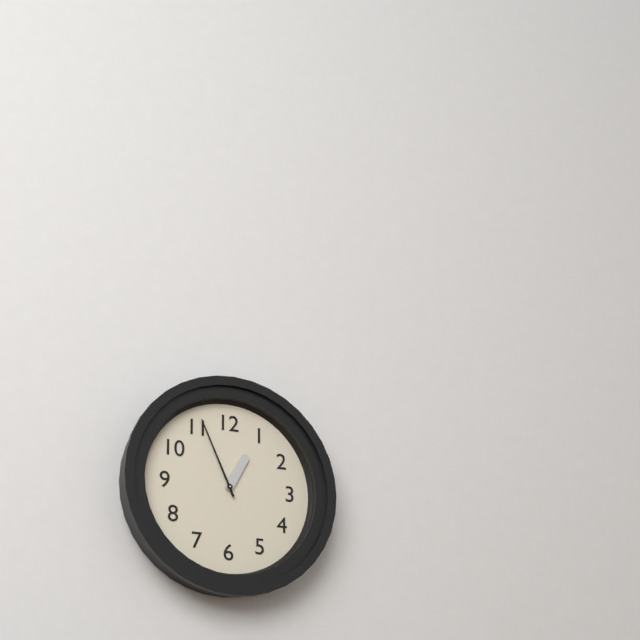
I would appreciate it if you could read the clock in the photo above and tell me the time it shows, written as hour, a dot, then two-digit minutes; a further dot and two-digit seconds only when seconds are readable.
12.56
